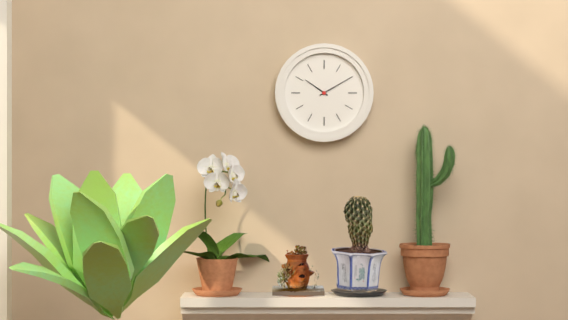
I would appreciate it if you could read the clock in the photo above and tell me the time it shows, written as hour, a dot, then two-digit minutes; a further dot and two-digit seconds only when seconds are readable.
10.10
